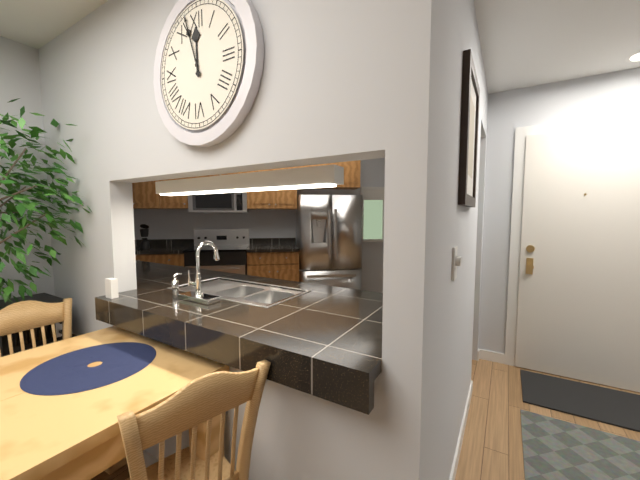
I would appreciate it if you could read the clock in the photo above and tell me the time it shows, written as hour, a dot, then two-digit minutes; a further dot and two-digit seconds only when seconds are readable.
11.57
